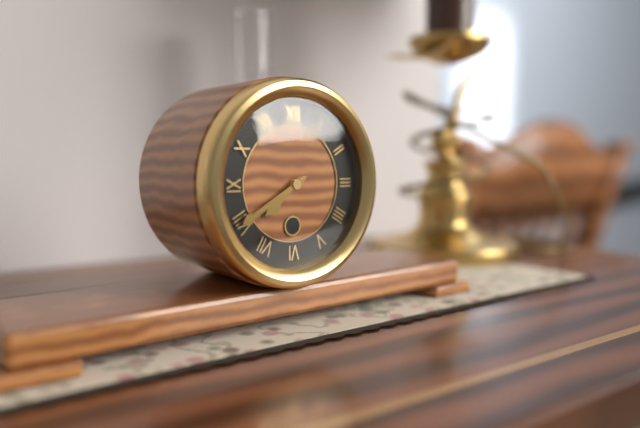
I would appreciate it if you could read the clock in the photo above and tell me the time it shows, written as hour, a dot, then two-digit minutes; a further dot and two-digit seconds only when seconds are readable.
7.40
